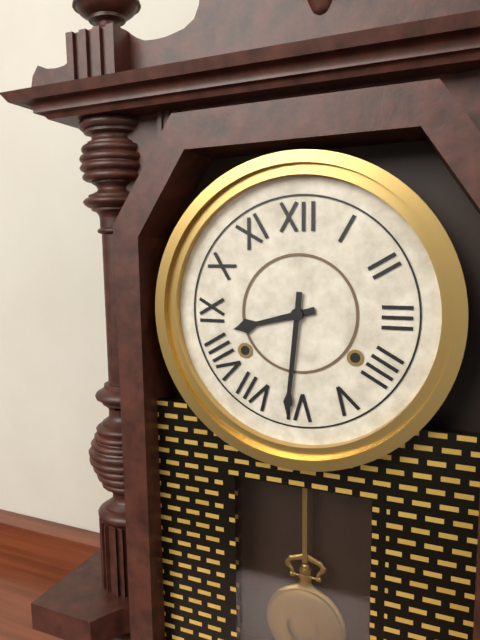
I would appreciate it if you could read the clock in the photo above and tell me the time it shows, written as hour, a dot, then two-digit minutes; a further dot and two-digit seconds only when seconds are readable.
8.31
